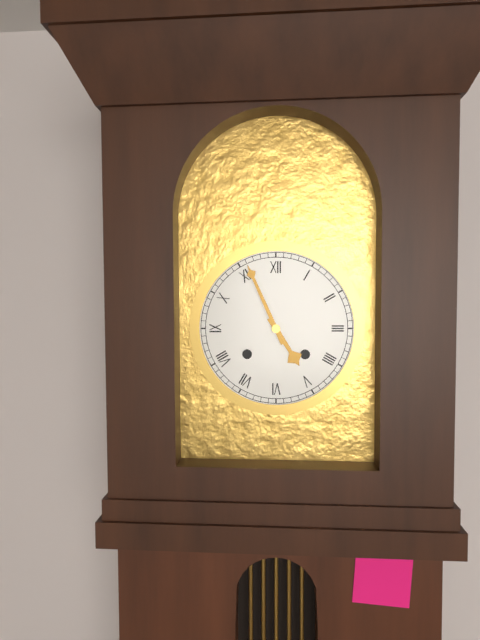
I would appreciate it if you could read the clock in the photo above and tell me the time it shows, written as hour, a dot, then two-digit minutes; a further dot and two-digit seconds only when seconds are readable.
4.56
